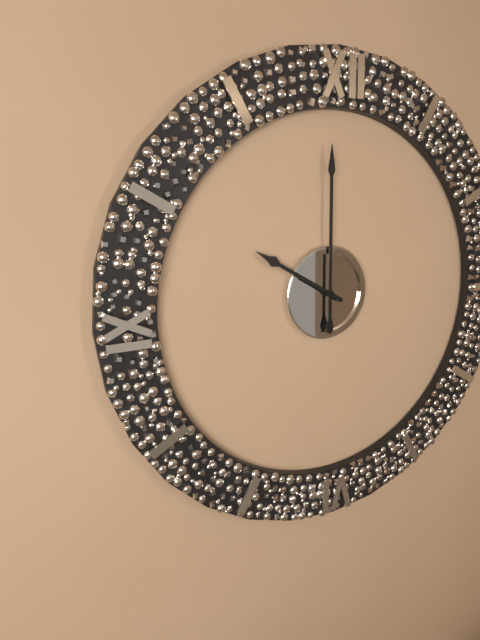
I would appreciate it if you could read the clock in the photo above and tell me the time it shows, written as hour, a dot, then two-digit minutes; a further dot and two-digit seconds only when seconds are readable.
10.00
